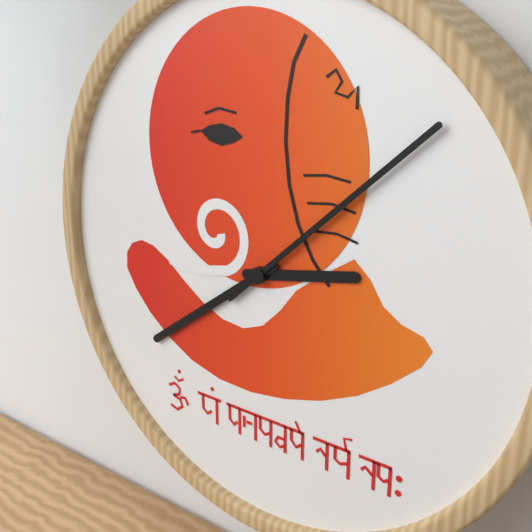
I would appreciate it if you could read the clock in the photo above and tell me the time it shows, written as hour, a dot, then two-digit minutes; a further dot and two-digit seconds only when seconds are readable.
2.39.08
